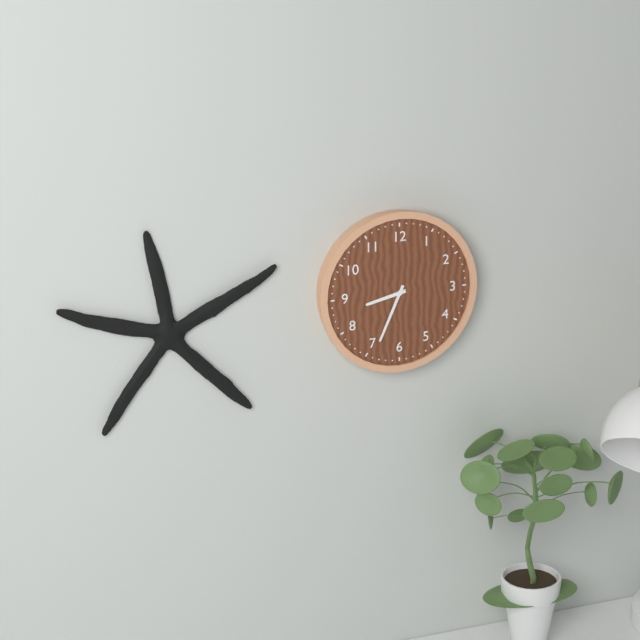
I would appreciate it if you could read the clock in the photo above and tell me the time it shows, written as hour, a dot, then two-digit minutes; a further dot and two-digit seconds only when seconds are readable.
8.34
